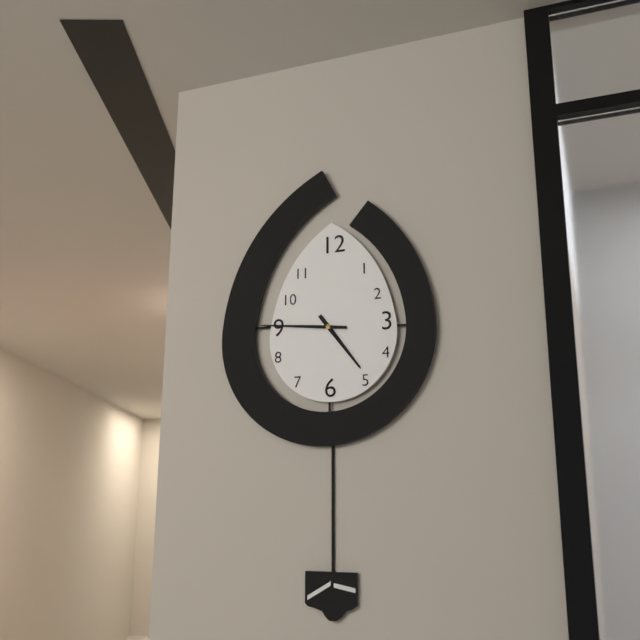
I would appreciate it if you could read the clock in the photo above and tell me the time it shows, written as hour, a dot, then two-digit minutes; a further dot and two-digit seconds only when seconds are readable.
4.46
